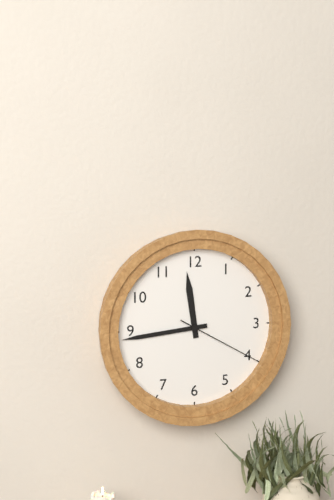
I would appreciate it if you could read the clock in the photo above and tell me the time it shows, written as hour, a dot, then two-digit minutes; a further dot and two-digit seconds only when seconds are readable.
11.44.20
